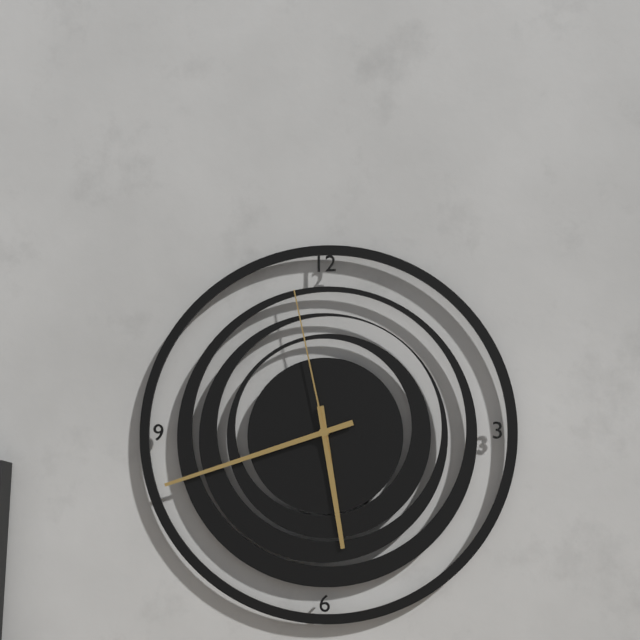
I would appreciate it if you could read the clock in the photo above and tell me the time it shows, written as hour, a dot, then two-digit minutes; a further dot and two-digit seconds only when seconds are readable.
5.42.58
